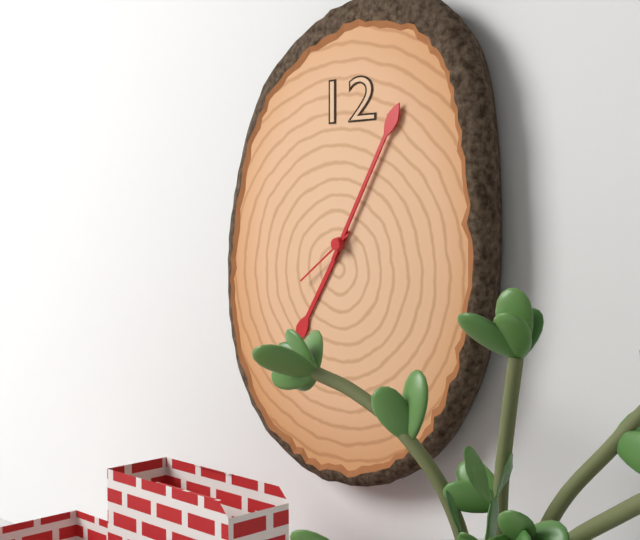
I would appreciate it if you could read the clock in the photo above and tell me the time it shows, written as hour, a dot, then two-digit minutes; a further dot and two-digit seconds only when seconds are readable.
7.05.39
